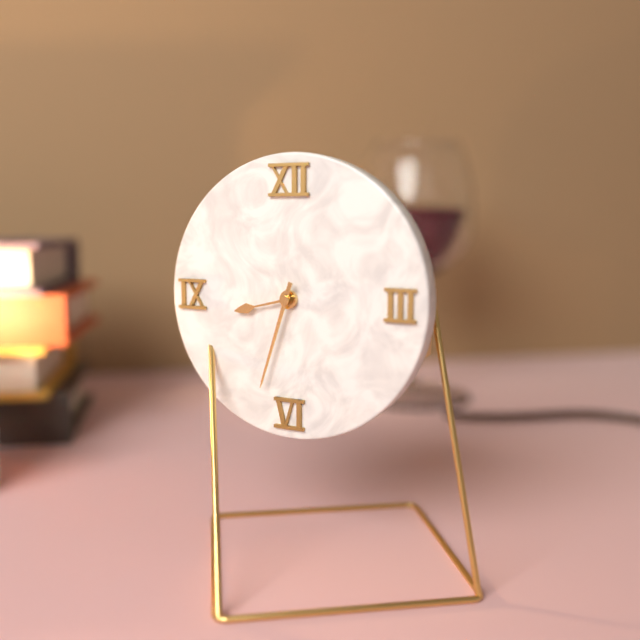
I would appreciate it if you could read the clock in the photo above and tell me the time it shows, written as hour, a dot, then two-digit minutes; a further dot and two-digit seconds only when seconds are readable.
8.33
